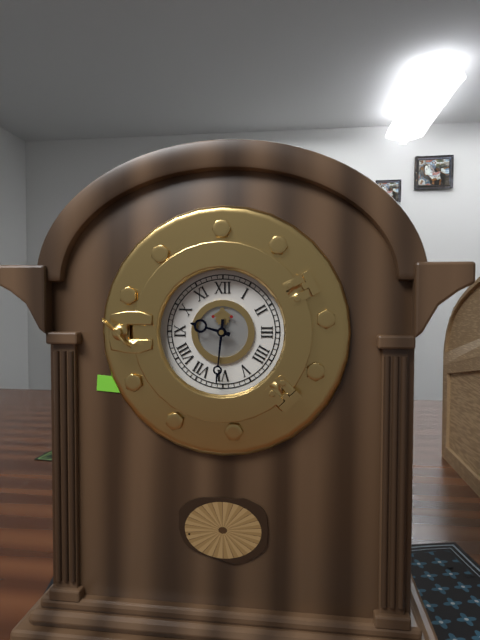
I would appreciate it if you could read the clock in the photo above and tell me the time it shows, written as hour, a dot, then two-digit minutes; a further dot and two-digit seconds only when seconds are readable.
9.31
